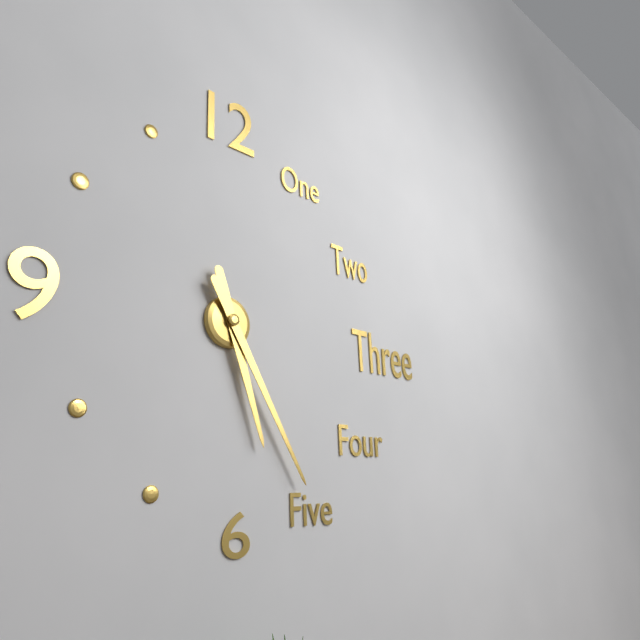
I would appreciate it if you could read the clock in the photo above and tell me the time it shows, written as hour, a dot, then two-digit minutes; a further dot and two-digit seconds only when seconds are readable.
5.25
